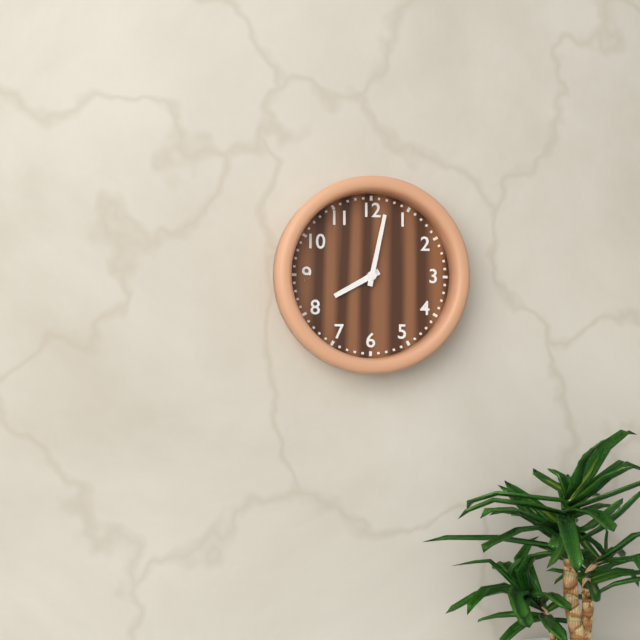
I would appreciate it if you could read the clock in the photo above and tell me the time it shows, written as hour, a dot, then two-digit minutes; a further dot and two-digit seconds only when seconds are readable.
8.02
